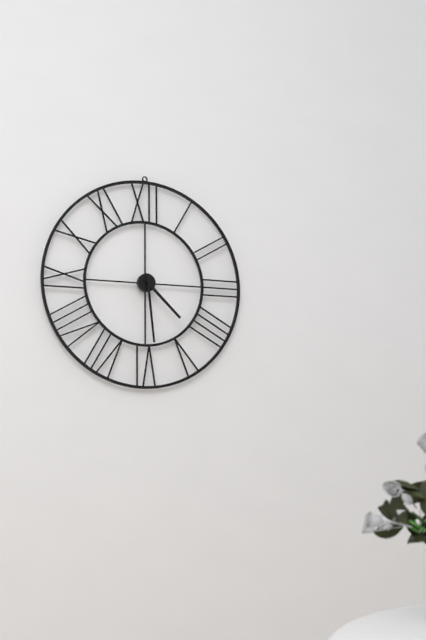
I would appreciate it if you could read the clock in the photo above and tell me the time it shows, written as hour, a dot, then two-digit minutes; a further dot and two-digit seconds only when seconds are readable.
4.29
